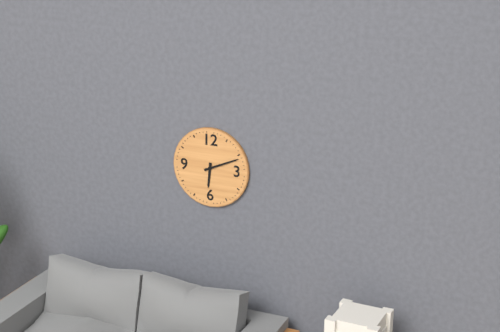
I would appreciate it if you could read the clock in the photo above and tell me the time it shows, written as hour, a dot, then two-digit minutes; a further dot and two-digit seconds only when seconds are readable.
6.11
